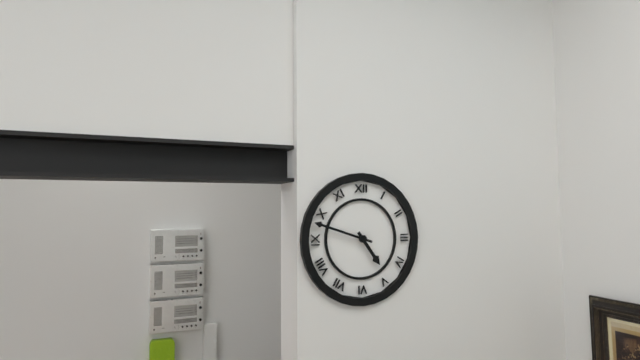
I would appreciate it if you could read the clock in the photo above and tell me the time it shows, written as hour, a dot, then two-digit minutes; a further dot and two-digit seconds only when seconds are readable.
4.48
